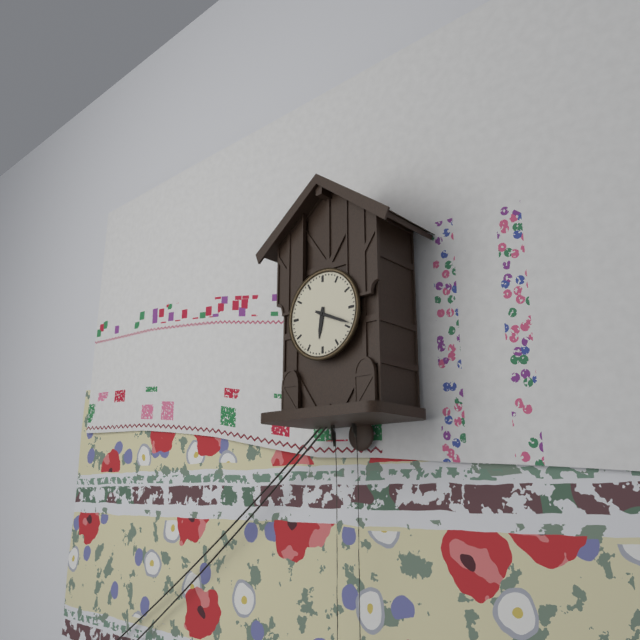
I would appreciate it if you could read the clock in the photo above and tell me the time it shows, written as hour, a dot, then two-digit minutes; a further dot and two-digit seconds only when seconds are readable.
6.19
